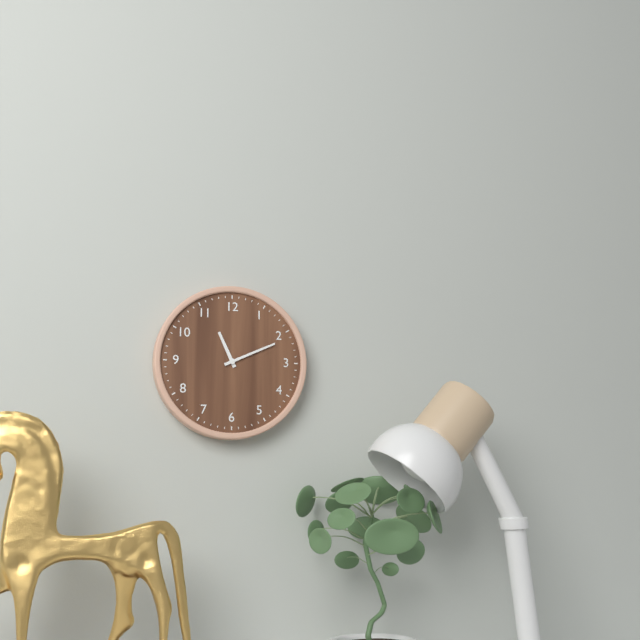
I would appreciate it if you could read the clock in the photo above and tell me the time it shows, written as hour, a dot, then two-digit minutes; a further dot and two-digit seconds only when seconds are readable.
11.11
